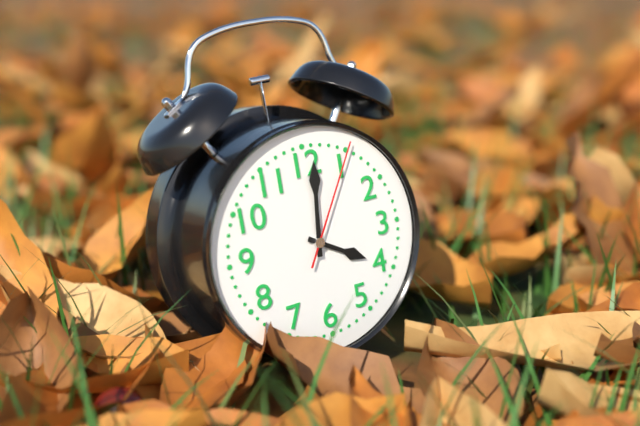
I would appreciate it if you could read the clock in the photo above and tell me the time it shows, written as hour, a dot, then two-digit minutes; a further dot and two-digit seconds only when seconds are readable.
4.01.05
